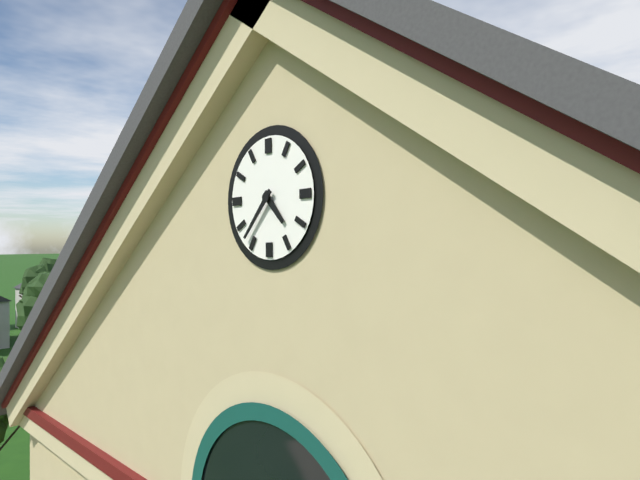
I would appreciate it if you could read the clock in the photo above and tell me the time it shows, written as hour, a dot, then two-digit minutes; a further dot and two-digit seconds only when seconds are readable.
4.37
